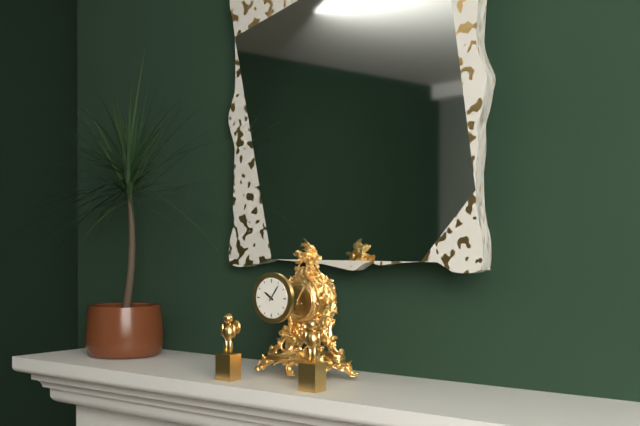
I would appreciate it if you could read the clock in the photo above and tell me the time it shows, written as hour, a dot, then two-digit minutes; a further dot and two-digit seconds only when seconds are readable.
10.06
